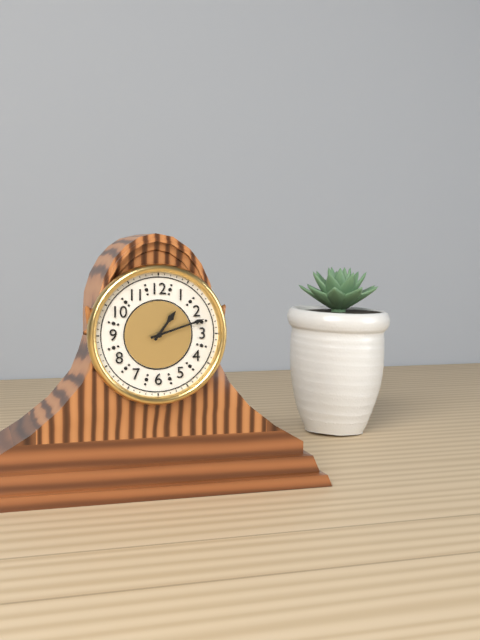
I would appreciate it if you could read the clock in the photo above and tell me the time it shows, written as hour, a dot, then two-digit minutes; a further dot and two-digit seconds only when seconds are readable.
1.12
